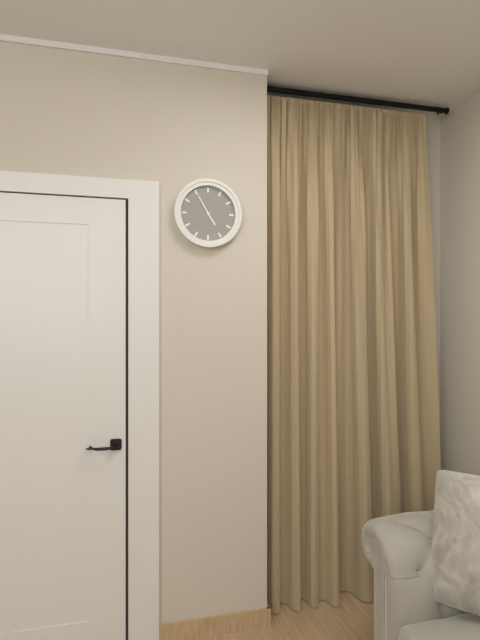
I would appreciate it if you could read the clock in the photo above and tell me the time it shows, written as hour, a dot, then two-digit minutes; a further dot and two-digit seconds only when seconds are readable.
4.55
